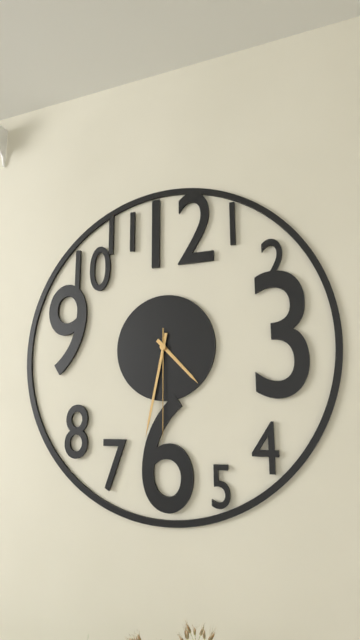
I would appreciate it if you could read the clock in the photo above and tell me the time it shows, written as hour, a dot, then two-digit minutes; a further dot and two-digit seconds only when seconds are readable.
4.32.30
